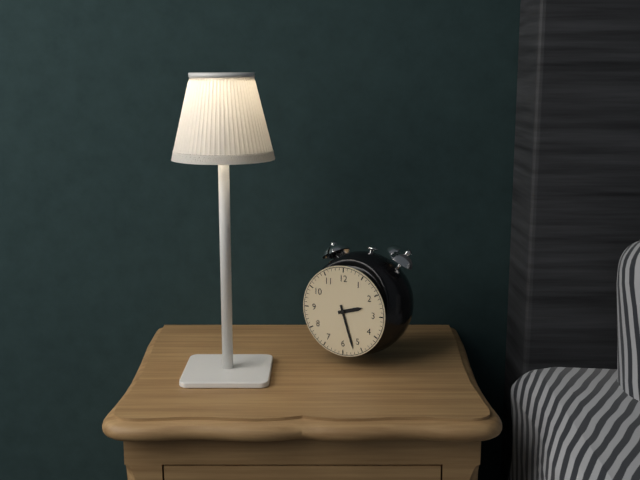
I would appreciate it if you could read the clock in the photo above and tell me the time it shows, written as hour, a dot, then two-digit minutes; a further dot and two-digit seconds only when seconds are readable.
2.27
